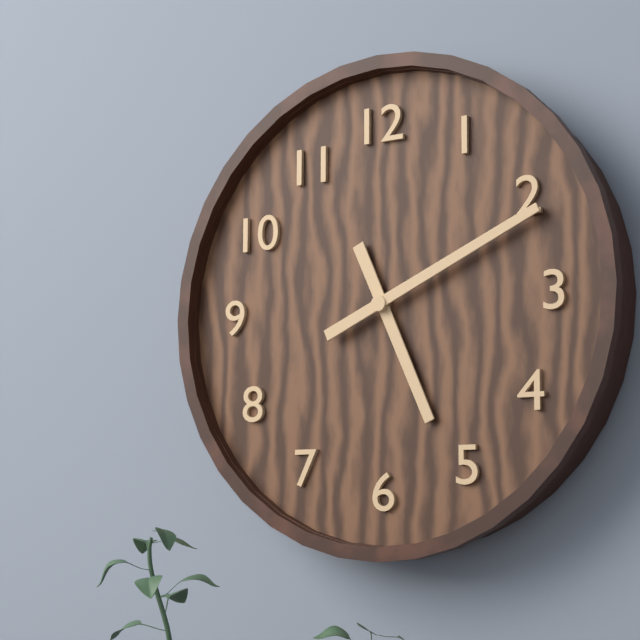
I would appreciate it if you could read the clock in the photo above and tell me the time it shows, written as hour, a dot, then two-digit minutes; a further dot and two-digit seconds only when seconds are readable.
5.11
